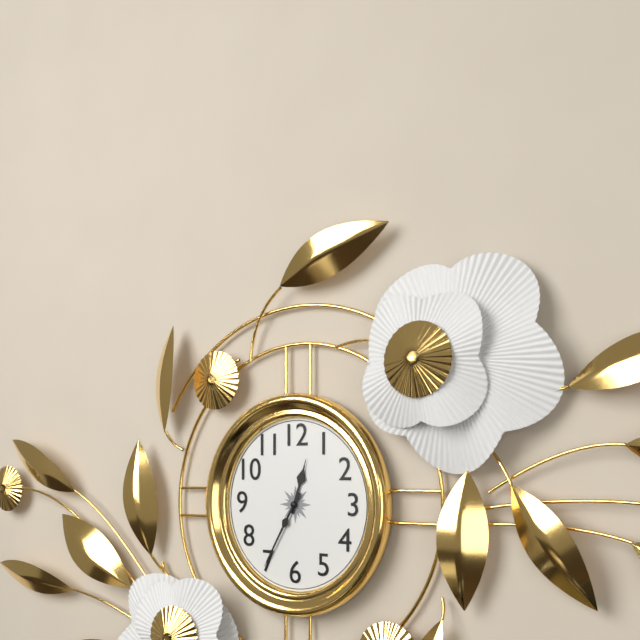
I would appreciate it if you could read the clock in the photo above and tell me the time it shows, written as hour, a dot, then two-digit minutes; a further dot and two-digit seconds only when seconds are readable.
12.35
